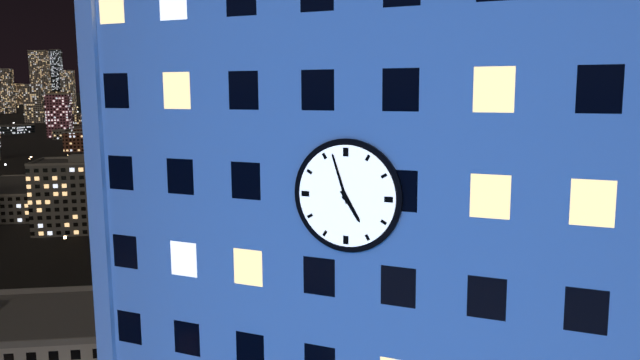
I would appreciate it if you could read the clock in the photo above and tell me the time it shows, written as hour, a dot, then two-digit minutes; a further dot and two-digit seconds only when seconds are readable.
4.57
